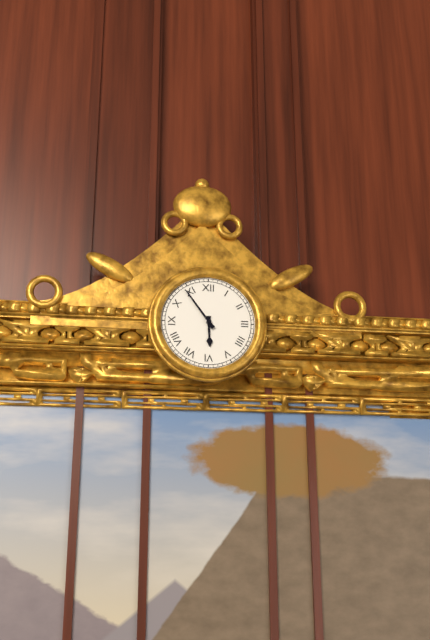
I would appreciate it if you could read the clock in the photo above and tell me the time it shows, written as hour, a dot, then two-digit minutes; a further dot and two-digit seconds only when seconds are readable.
5.54
